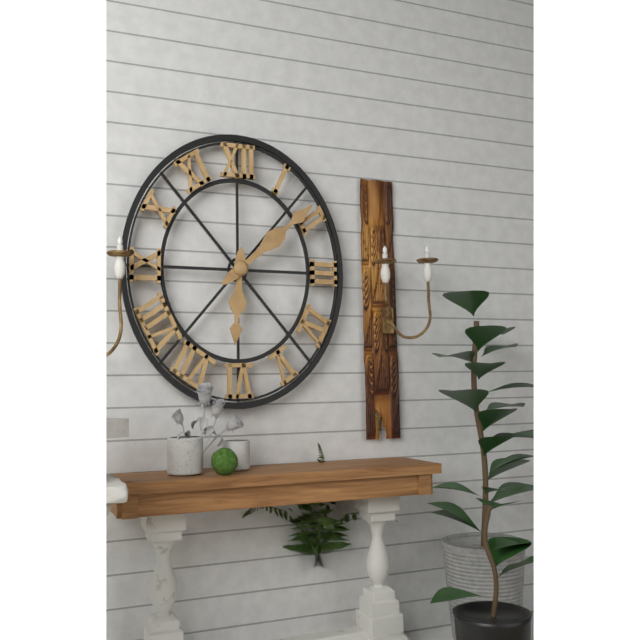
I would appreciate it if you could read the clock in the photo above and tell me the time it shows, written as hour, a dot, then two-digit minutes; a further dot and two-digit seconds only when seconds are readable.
6.08
